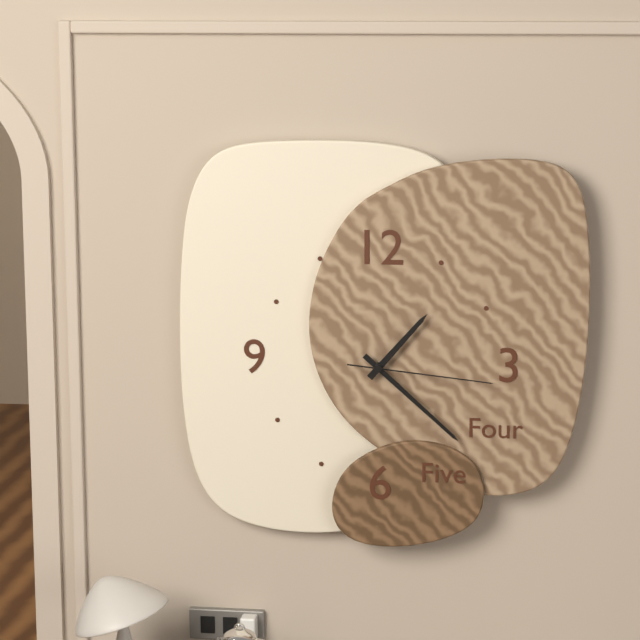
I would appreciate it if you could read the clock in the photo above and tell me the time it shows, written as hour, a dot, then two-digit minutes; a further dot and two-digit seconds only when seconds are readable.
1.22.16
